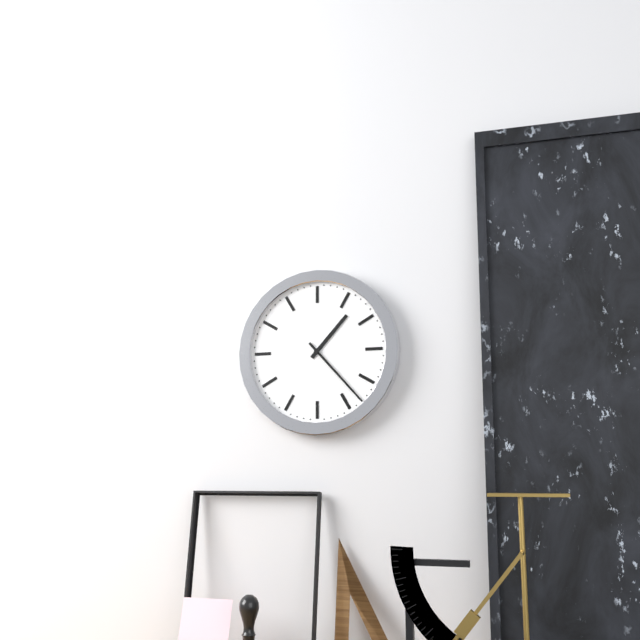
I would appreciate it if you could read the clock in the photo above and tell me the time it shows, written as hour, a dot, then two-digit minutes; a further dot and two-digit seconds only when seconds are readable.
1.23
